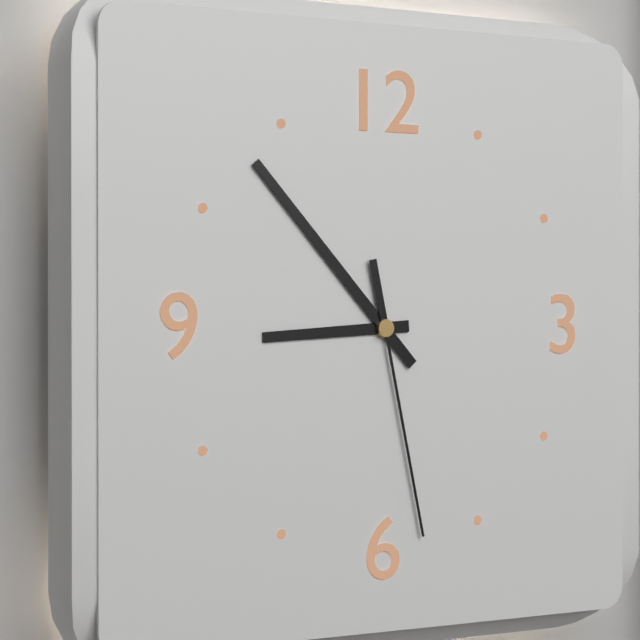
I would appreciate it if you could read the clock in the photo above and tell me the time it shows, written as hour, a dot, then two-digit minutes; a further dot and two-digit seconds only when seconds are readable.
8.53.28
